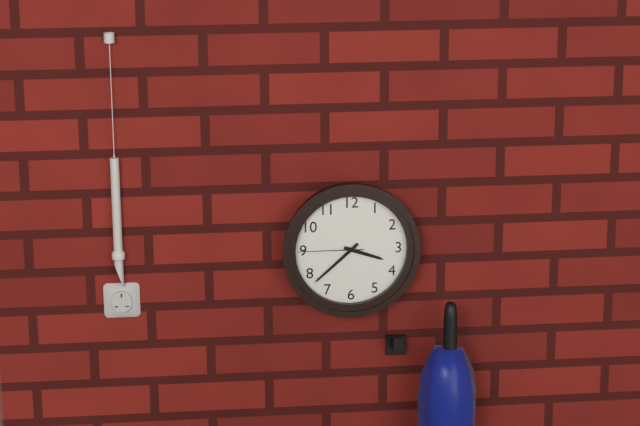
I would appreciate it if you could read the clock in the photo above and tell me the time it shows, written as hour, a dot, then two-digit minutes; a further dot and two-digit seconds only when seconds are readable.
3.38.45
